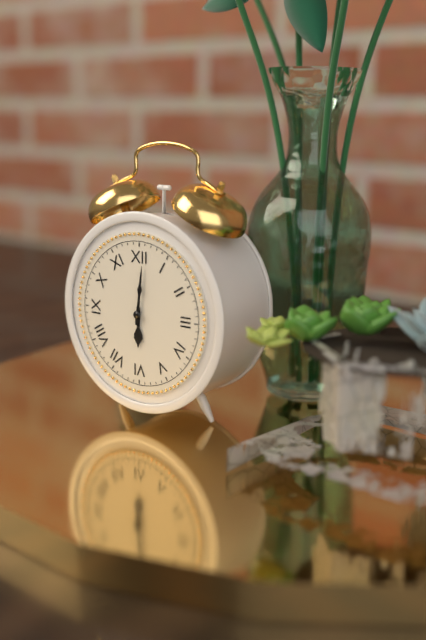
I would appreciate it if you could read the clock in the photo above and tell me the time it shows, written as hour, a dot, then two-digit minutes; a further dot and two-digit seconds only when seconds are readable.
6.01
